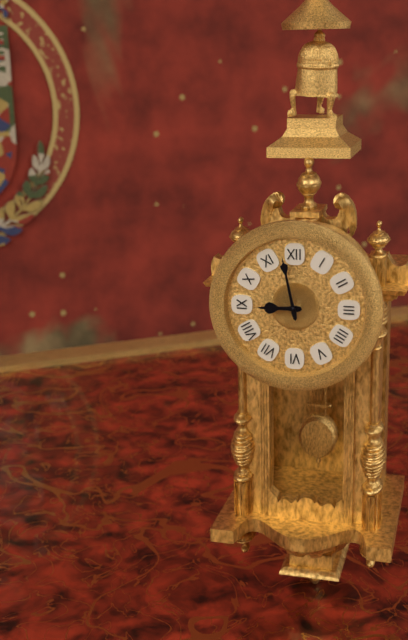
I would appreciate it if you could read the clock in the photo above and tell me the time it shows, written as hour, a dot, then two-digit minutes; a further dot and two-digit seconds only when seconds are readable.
8.58
